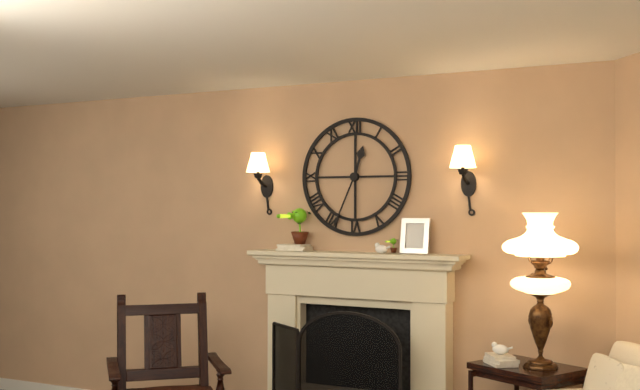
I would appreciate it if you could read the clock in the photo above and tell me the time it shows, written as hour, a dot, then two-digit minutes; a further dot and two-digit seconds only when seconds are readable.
12.34
